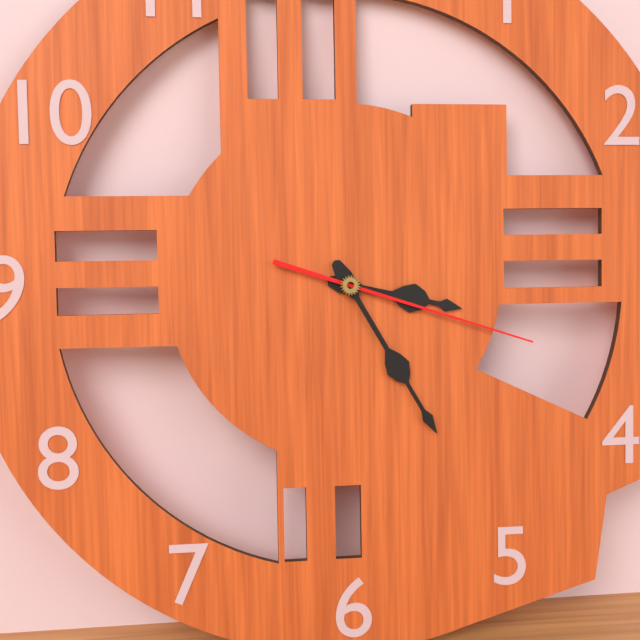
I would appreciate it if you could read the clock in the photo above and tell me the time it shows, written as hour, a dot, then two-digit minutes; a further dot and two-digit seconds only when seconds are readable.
3.25.18
